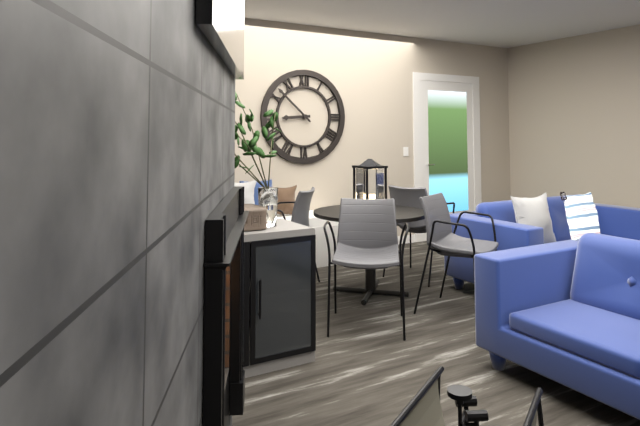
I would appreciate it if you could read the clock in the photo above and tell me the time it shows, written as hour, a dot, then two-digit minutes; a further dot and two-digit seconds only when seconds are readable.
8.52
